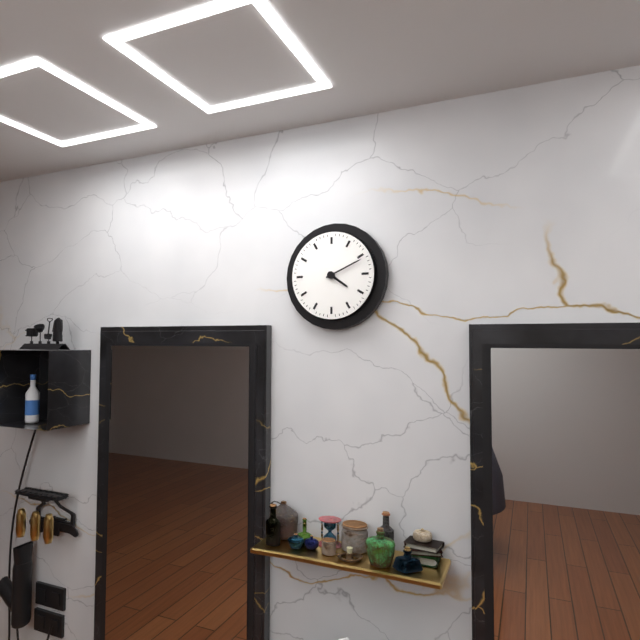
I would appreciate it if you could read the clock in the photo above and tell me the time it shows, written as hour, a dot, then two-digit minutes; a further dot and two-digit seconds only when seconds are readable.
4.11
